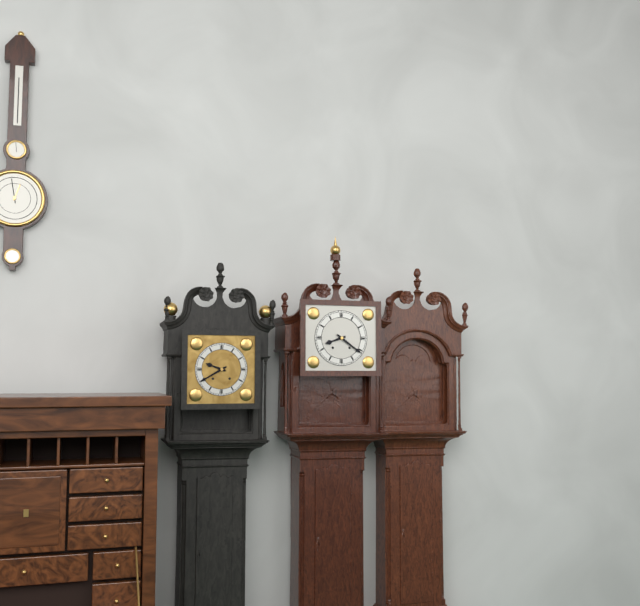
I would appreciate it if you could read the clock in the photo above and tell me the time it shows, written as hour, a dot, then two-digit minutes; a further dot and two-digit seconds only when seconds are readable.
8.21
